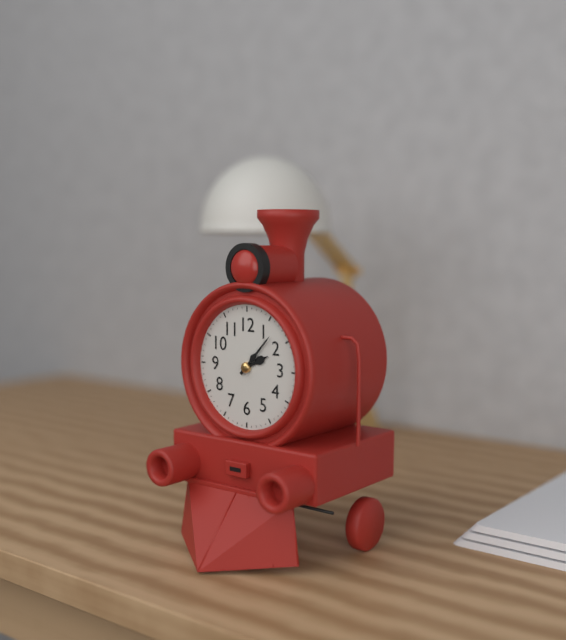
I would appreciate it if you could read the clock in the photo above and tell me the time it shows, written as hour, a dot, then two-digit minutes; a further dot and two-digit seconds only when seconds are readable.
2.07
